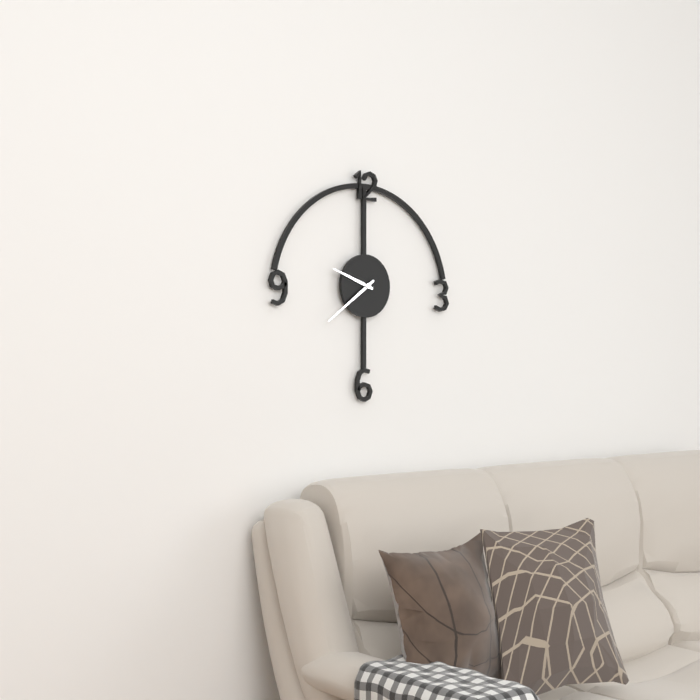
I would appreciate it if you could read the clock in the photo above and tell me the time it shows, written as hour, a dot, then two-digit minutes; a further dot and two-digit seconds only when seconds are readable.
9.39
